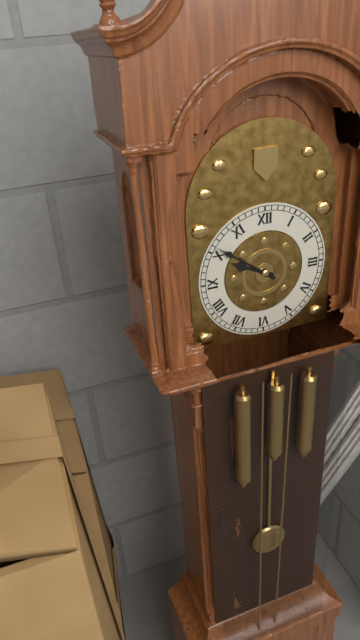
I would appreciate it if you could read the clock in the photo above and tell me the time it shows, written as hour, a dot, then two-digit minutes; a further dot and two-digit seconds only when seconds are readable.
9.51
